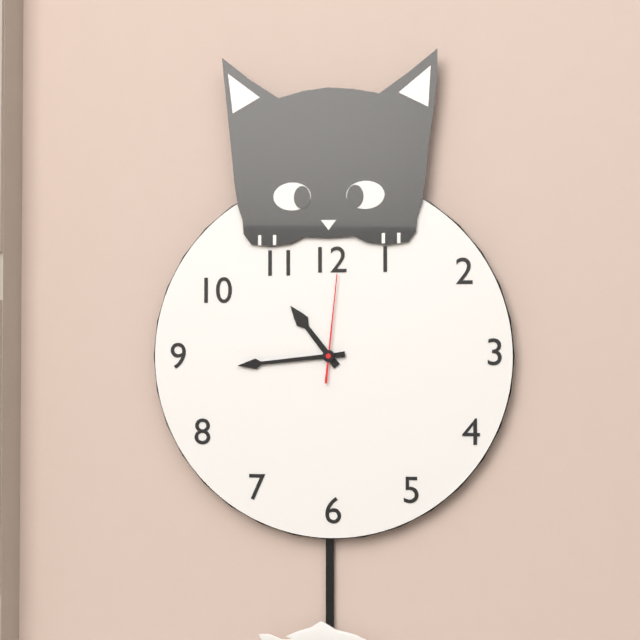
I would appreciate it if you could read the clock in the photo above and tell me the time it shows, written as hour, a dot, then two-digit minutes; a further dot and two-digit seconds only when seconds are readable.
10.44.01
